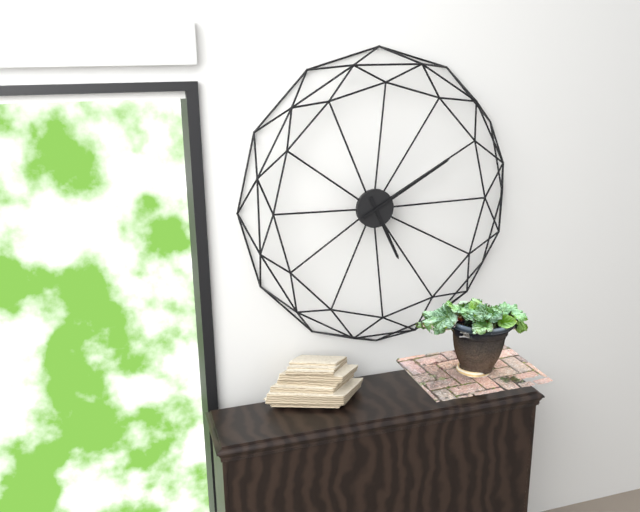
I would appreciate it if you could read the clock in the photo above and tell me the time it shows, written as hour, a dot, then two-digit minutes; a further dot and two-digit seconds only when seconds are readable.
5.10
